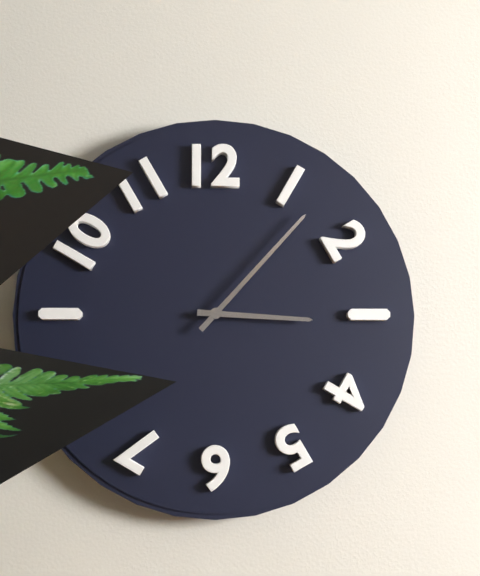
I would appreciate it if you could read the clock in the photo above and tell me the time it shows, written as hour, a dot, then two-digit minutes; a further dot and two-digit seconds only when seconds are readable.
3.07
